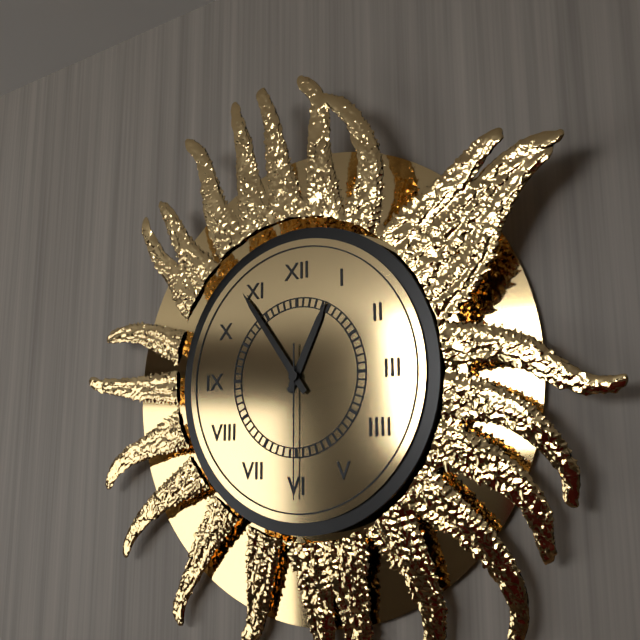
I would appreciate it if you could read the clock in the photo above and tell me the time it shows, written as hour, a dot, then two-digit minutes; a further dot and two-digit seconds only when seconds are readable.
12.54.30
